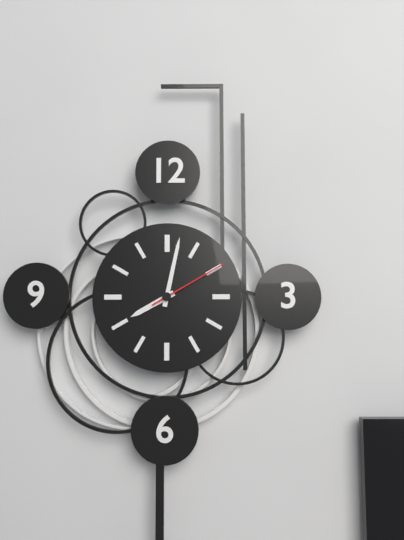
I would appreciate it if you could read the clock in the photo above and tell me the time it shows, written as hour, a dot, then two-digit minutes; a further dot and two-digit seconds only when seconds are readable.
8.02.10
